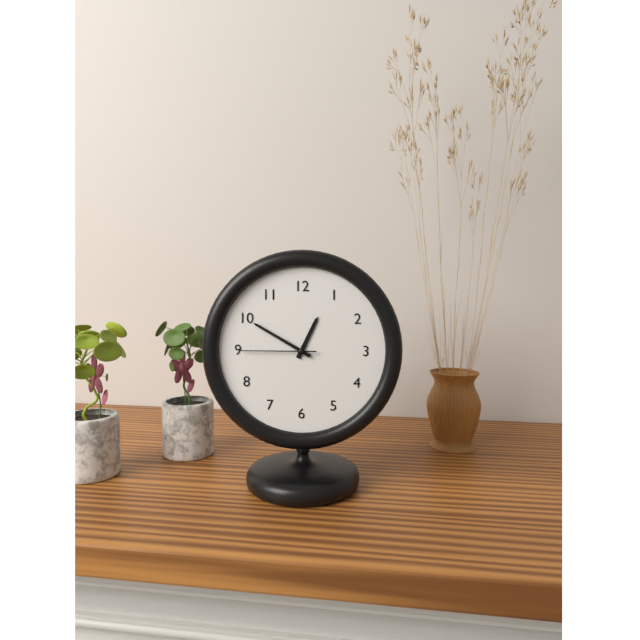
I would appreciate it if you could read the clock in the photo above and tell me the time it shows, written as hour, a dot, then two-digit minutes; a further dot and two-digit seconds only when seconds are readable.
12.50.45
